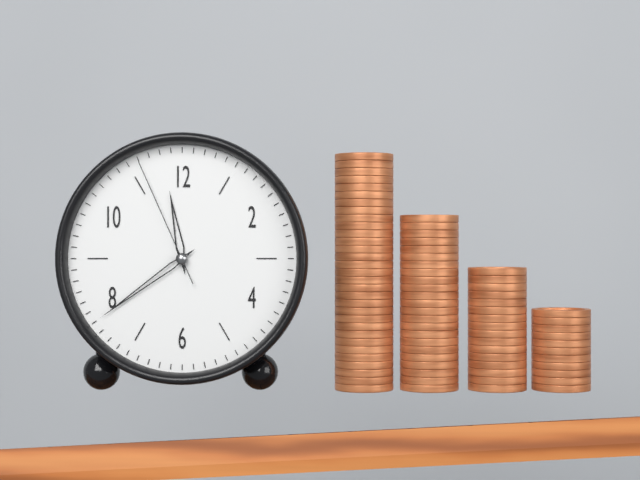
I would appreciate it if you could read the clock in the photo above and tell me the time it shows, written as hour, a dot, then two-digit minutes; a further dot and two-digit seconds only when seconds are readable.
11.39.56
